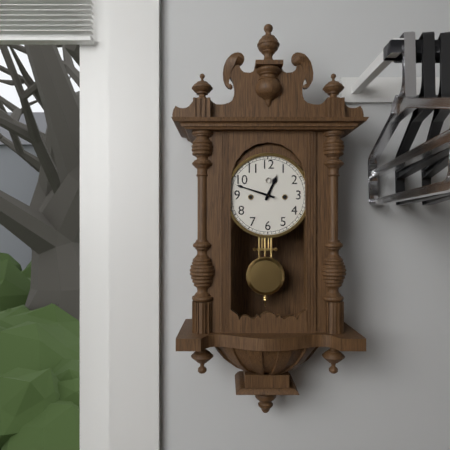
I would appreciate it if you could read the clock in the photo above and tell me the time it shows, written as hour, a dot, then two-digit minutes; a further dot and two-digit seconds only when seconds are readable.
12.48
